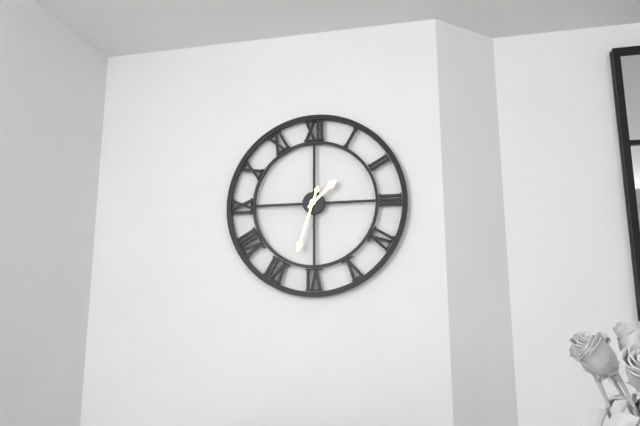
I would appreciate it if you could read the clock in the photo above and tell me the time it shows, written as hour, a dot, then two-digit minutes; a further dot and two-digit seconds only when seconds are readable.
1.33
